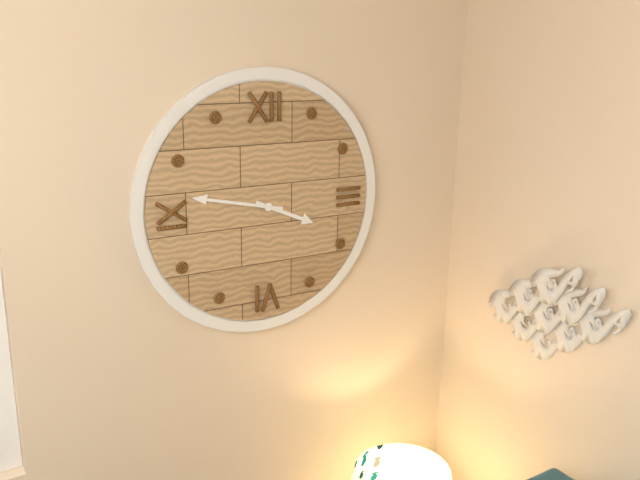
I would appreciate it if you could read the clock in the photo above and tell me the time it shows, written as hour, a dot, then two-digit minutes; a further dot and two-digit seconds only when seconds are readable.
3.47
